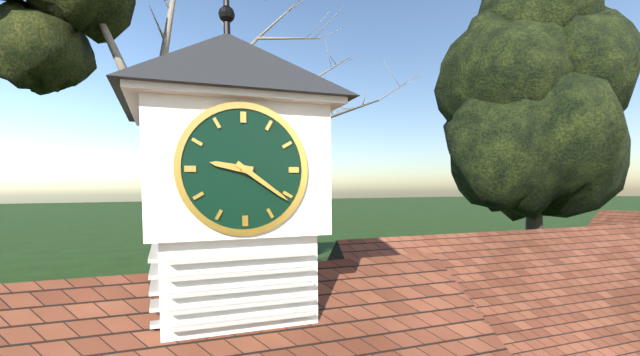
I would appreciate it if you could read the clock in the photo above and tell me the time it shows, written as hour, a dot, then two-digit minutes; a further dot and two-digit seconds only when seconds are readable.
9.21
